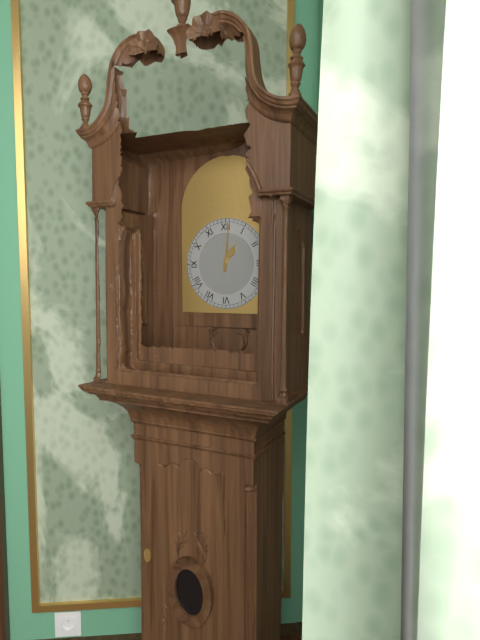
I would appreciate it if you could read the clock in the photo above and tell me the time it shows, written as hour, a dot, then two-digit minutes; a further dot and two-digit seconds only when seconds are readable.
1.01
